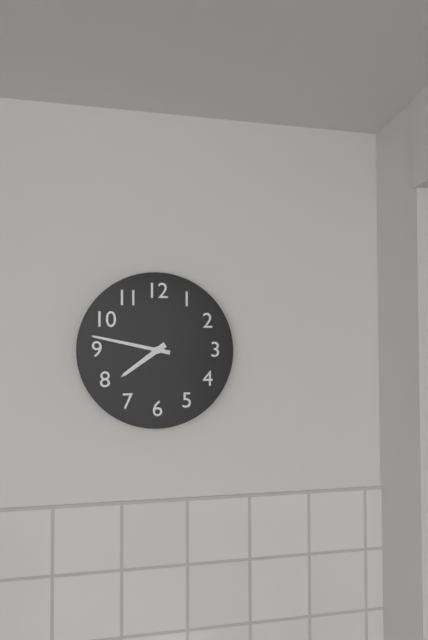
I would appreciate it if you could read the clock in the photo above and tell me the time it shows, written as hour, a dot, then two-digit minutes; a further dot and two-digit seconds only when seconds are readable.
7.47
